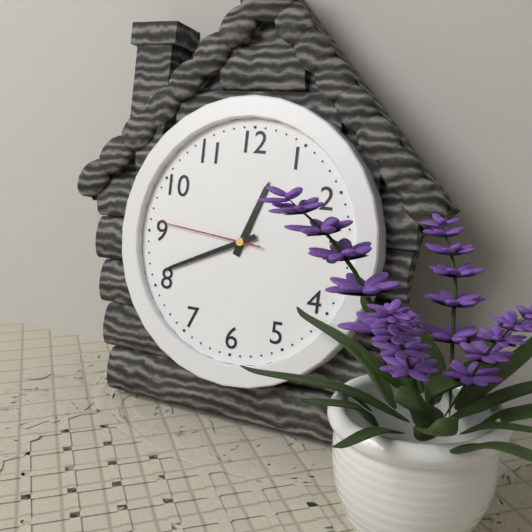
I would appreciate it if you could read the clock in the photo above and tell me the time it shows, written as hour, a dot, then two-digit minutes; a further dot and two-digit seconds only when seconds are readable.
12.41.46
